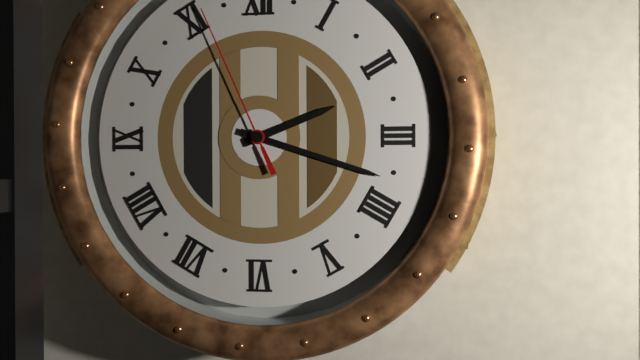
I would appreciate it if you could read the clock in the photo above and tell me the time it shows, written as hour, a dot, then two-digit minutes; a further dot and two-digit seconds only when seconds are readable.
2.18.56
